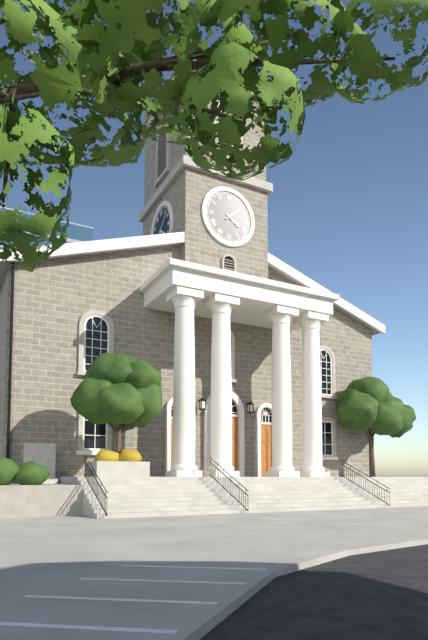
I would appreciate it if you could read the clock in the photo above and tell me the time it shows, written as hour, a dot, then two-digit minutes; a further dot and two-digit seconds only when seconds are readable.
4.08
